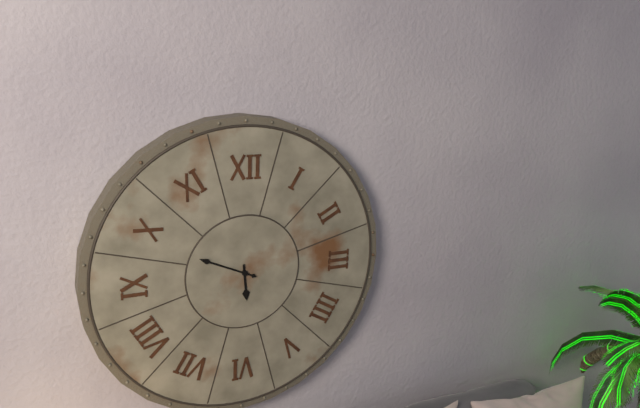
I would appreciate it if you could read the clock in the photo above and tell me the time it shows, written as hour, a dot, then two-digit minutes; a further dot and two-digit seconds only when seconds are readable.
5.49
